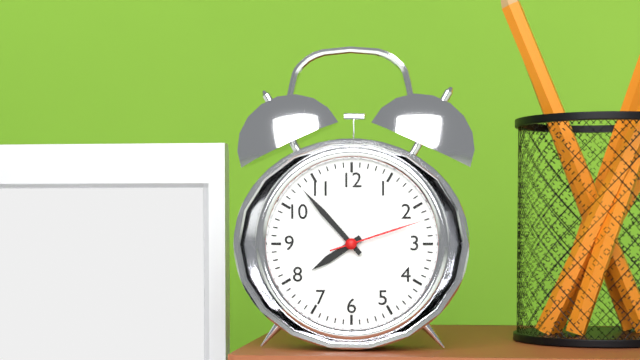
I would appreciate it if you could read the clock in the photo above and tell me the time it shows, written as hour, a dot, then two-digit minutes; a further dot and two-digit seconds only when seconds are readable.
7.53.12
